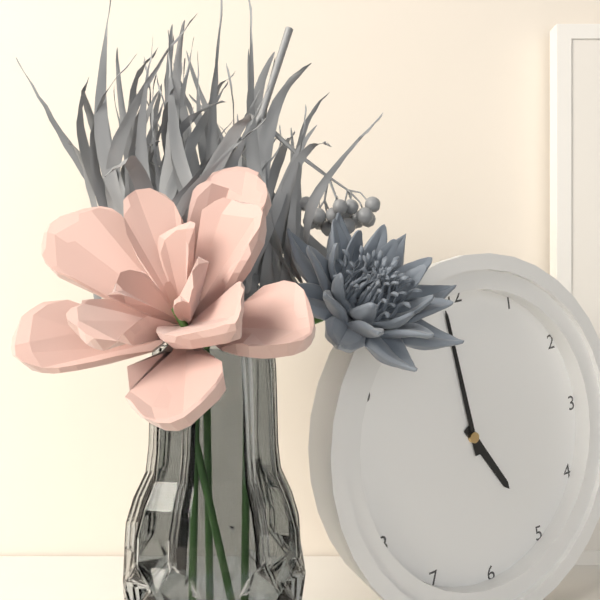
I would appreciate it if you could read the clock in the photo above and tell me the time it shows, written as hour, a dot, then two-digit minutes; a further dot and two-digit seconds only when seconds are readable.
4.59
